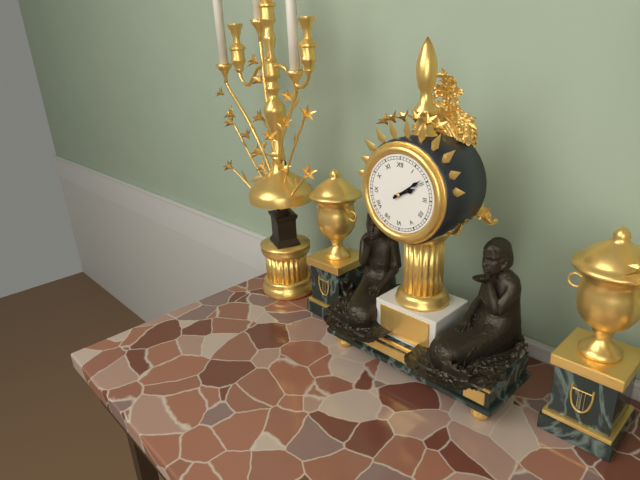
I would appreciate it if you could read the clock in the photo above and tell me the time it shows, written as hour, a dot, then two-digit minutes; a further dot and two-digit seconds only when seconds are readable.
2.09
